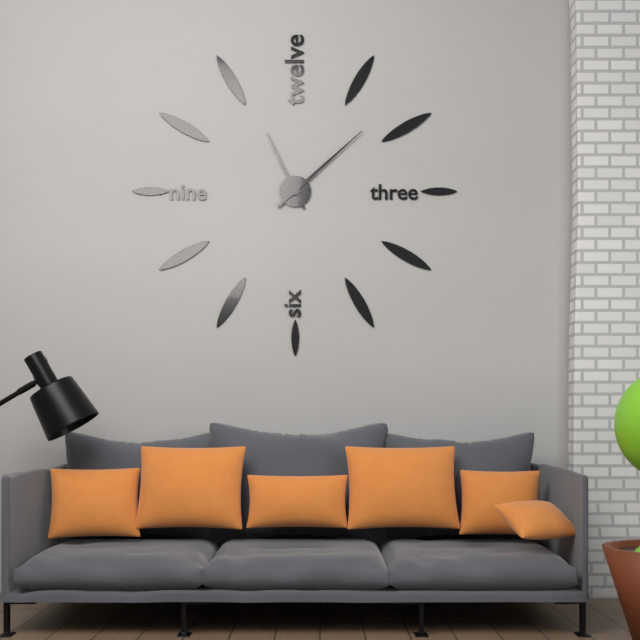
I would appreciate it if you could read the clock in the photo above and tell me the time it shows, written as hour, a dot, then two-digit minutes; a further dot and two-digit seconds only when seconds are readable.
11.08
